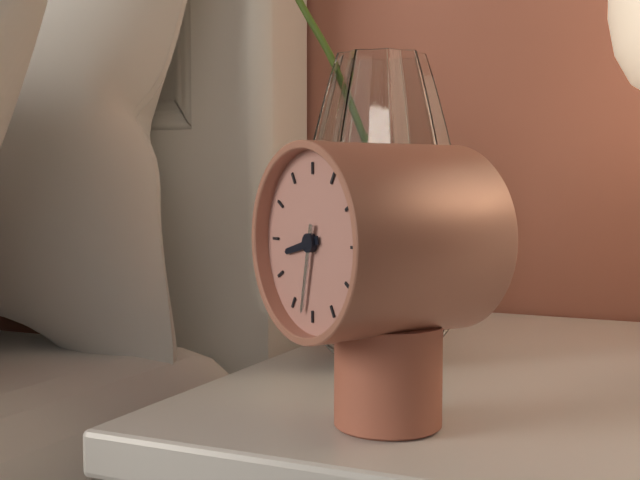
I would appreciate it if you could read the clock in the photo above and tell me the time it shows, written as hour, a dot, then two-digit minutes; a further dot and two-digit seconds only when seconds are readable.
8.32
